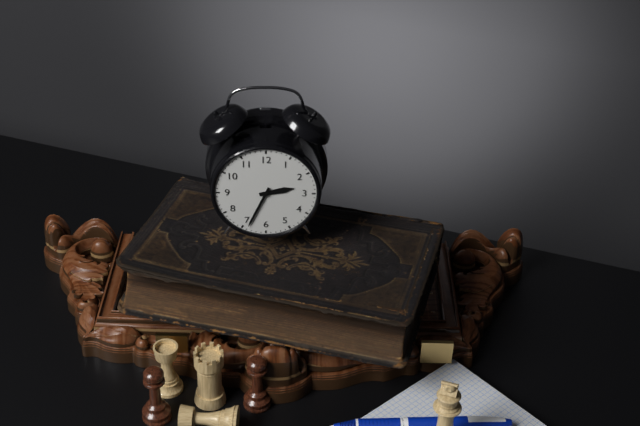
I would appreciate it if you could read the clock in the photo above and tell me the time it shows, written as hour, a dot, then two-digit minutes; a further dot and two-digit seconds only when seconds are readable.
2.34
